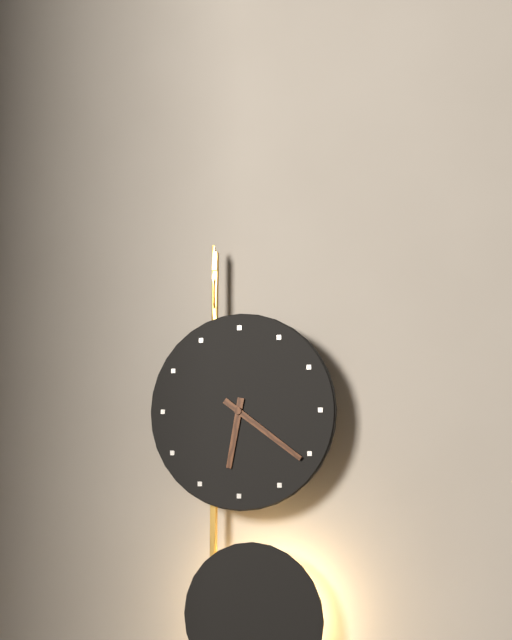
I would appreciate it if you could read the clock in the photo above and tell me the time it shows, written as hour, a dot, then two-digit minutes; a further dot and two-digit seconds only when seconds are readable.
6.21
